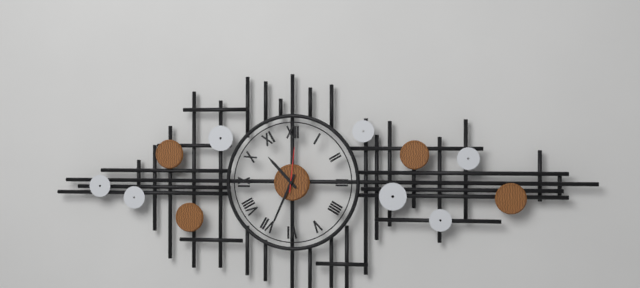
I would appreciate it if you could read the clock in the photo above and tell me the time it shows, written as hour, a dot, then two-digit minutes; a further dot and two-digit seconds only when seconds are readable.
10.34
